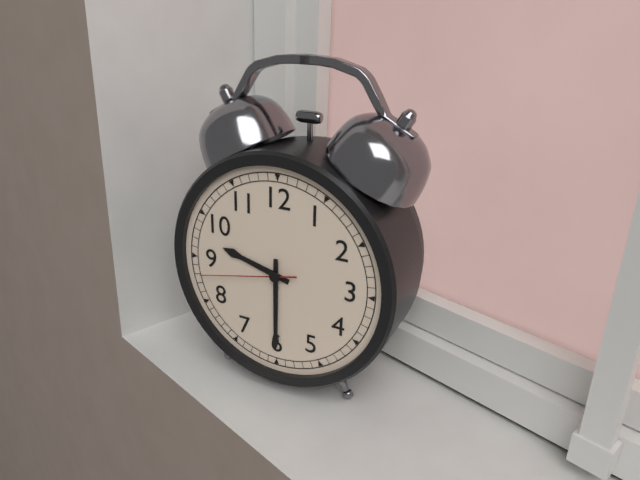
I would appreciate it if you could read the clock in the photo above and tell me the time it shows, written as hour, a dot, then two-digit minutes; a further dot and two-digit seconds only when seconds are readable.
9.30.43
